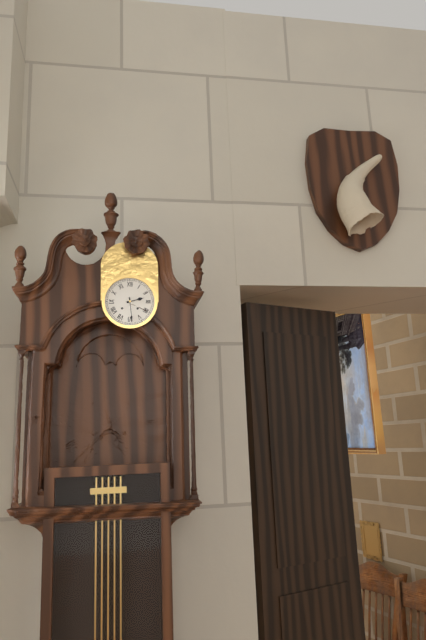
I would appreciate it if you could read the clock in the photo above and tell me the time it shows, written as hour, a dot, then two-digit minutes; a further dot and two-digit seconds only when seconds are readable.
2.29
